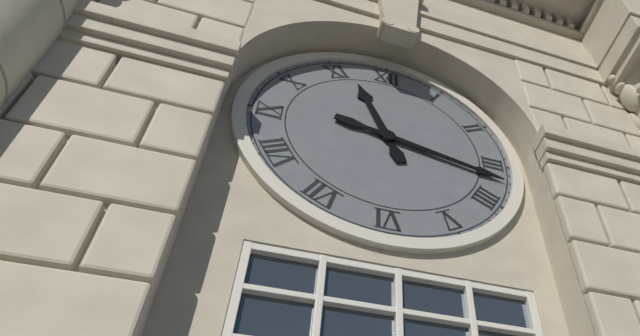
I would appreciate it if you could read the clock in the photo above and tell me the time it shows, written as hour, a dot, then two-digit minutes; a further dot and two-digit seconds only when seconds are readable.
11.17
